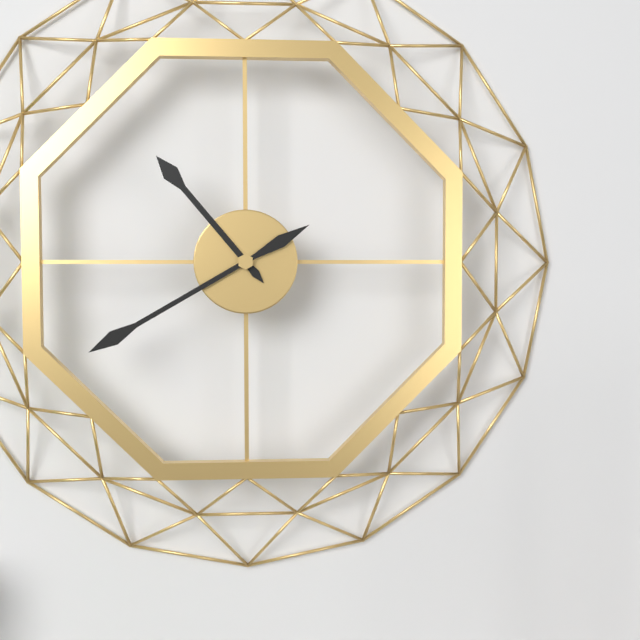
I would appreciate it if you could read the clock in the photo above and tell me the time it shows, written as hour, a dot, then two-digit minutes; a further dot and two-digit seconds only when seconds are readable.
10.40
